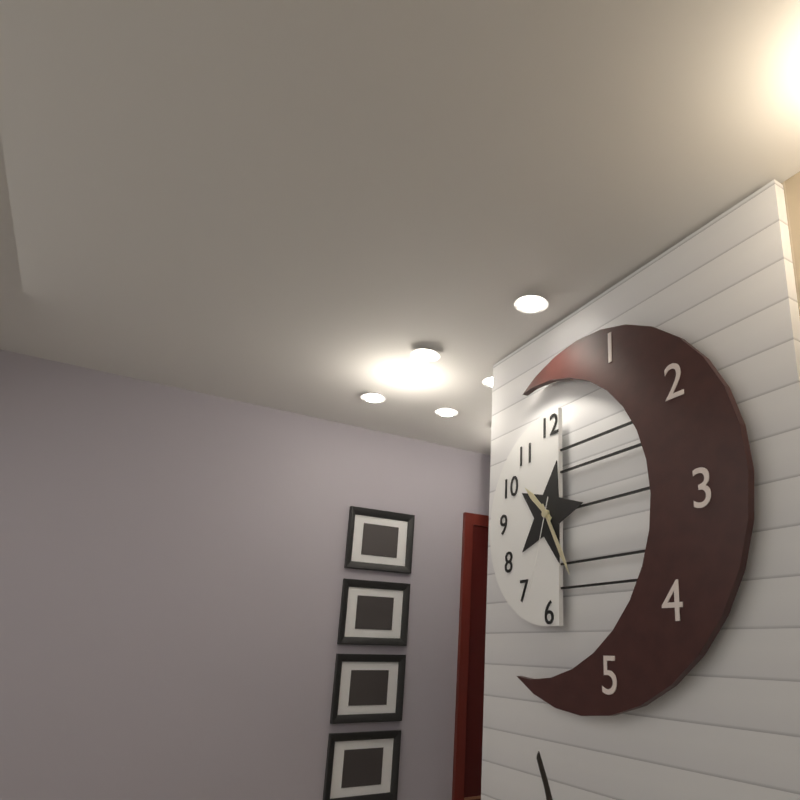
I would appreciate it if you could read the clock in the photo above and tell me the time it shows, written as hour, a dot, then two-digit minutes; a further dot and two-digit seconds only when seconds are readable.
10.25.33
